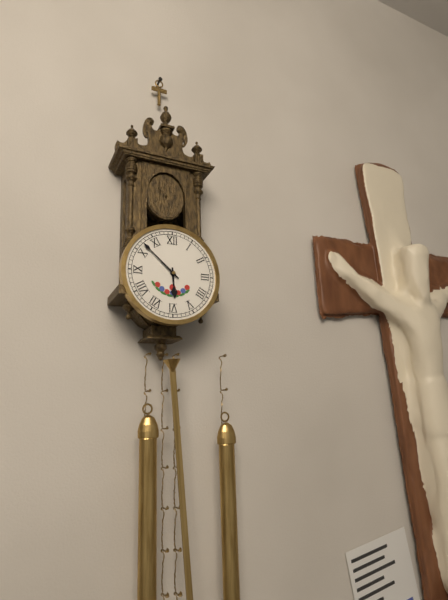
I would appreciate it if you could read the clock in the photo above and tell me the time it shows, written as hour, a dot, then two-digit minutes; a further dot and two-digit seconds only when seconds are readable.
5.52
